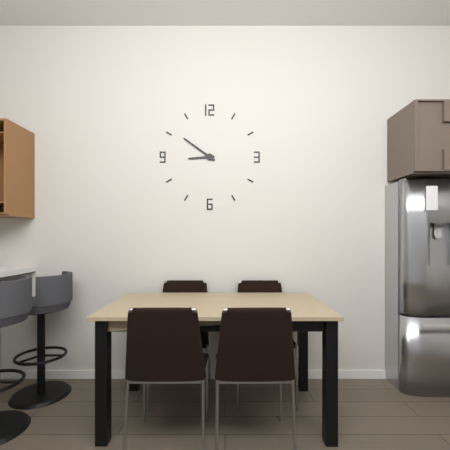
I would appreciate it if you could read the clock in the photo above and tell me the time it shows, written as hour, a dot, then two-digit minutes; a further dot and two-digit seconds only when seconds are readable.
8.51
